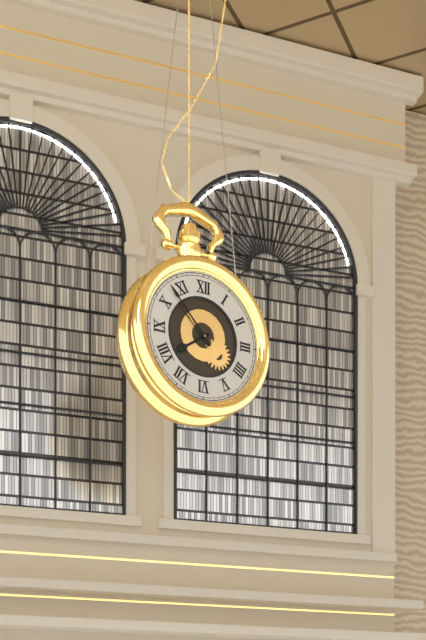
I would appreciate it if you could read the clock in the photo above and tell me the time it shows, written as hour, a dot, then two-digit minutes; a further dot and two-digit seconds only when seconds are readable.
7.53
